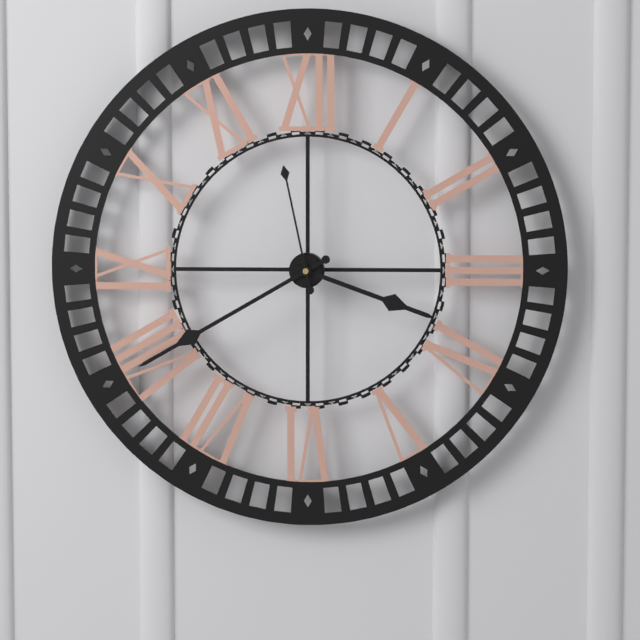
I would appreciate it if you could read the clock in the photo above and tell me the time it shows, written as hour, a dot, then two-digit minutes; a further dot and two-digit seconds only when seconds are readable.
3.40.58
